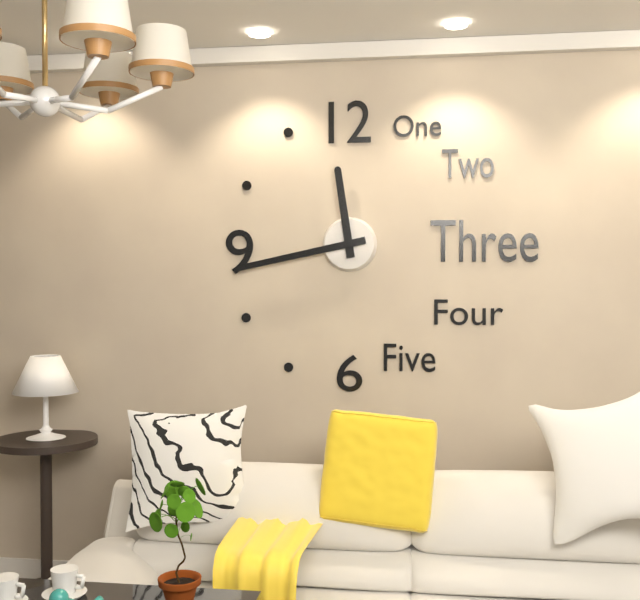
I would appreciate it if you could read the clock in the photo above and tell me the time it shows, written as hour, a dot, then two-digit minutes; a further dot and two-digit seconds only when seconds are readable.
11.43
